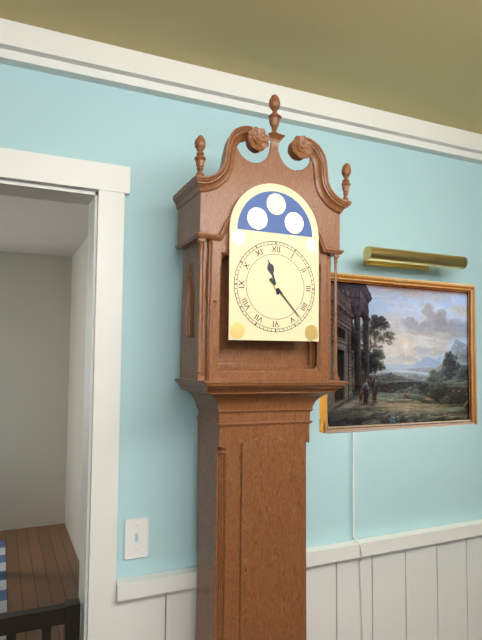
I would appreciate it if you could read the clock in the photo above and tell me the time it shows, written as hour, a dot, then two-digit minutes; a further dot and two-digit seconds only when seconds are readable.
11.23
